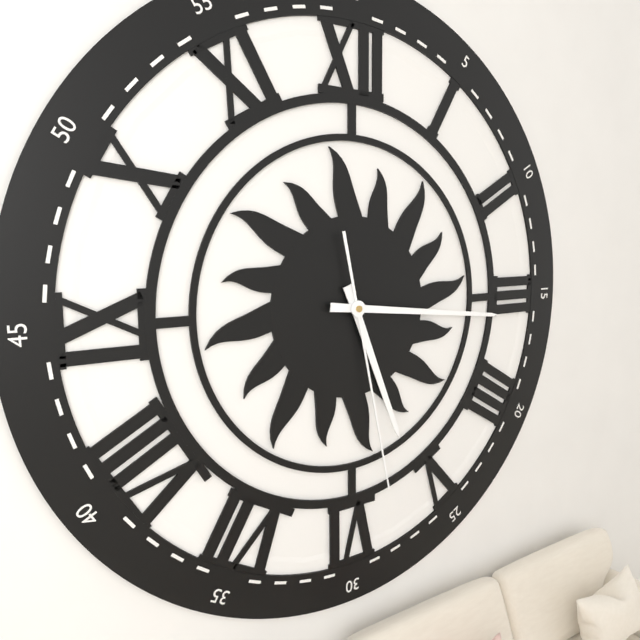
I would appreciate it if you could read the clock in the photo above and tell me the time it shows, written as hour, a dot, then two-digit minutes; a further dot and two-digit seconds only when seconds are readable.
5.16.28
